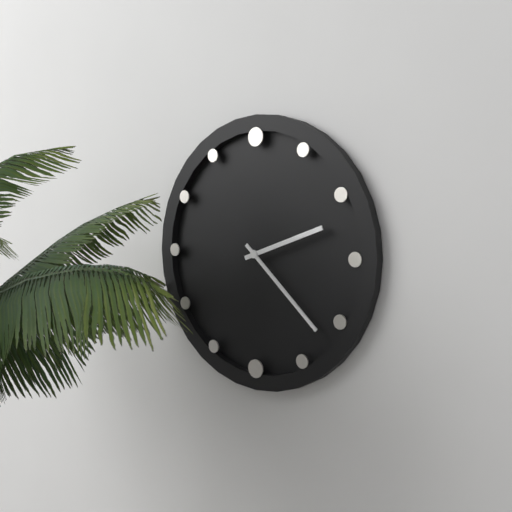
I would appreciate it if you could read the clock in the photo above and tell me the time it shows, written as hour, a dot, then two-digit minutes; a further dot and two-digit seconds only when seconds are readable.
2.22
